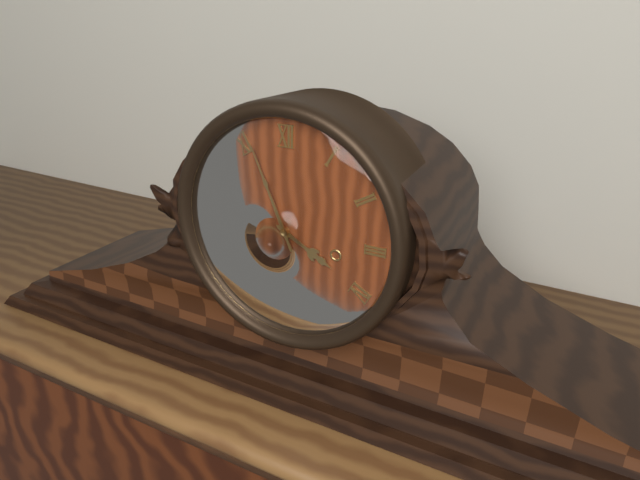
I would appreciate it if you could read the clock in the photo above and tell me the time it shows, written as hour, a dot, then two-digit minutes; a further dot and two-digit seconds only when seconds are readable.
3.56
